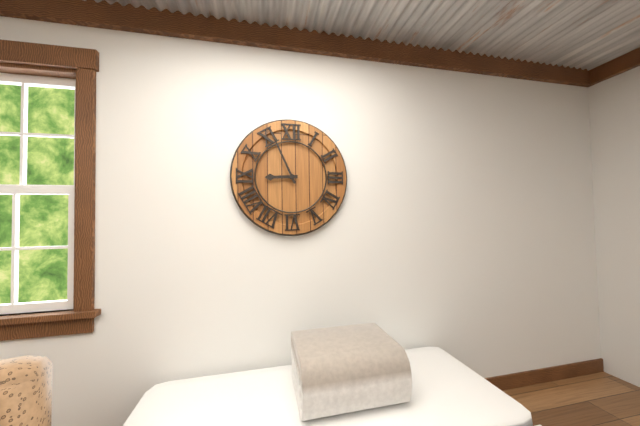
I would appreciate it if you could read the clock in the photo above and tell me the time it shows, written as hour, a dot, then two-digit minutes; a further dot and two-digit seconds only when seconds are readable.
8.56
